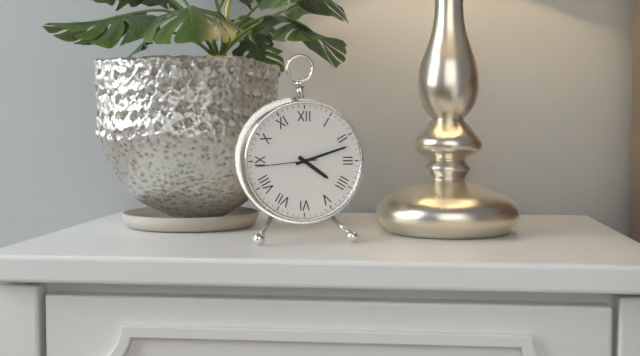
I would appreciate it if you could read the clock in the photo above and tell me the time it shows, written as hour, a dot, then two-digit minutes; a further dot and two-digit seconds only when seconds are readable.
4.12.44
